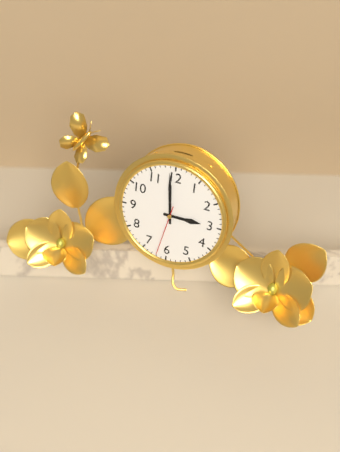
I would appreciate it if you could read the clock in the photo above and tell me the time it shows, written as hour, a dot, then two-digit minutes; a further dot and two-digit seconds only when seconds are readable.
2.59.32
